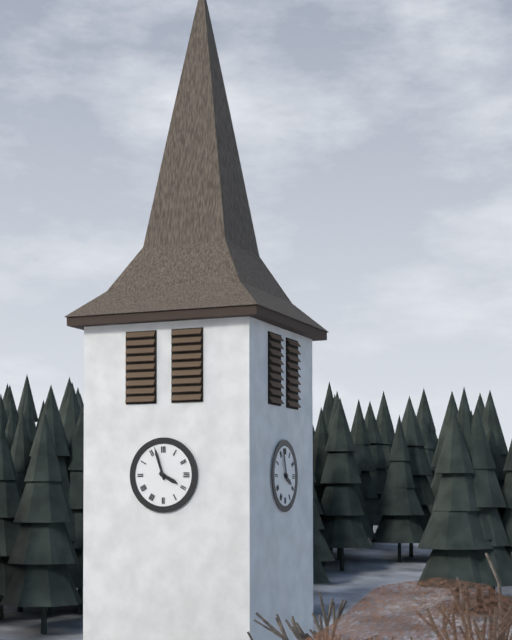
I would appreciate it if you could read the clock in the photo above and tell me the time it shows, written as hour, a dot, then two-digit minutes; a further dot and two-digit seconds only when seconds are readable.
3.57
